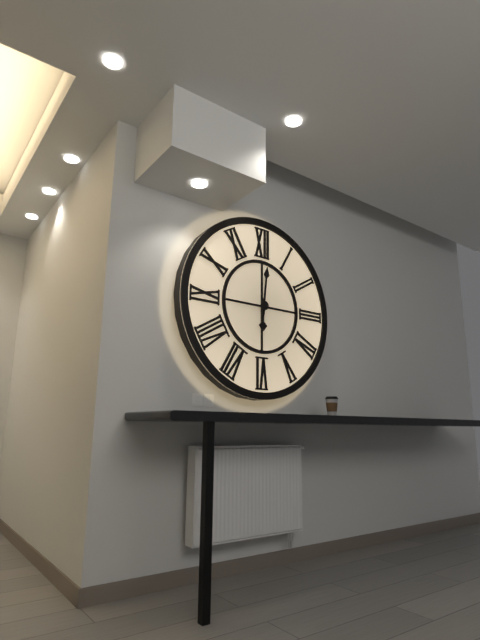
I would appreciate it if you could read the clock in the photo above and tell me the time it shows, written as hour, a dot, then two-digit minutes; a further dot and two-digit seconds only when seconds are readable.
6.01
